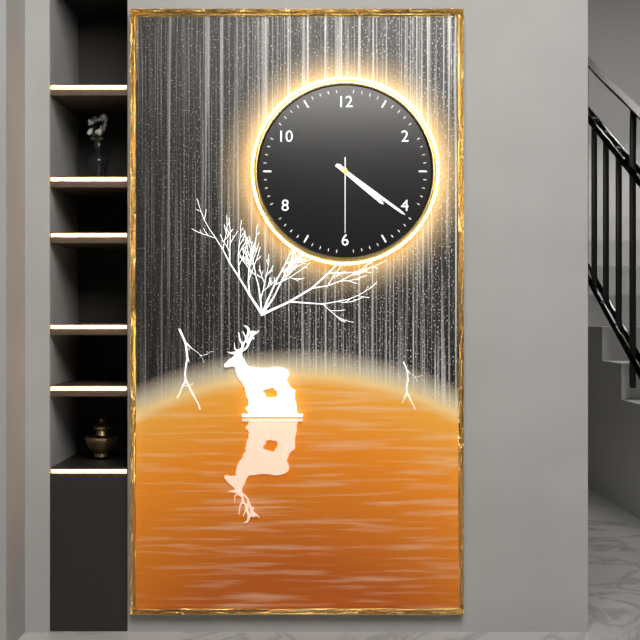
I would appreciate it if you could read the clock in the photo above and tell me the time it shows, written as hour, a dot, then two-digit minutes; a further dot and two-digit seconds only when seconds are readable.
4.21.30
